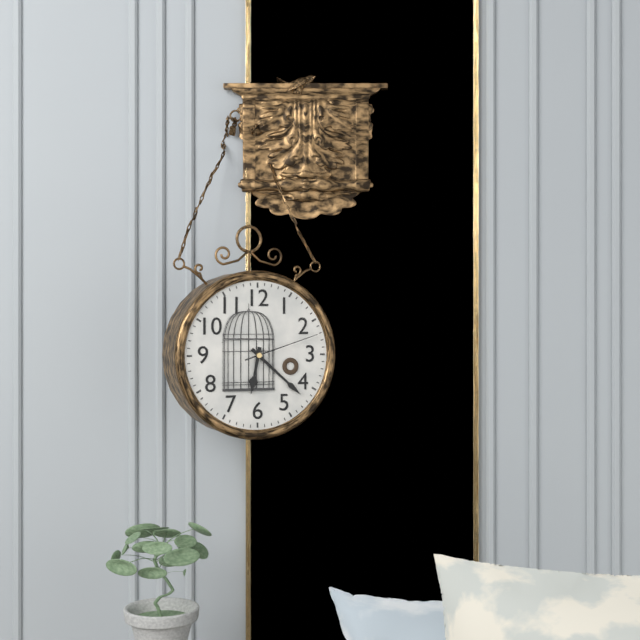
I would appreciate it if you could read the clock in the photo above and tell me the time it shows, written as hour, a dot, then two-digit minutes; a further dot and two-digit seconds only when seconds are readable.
6.22.12
